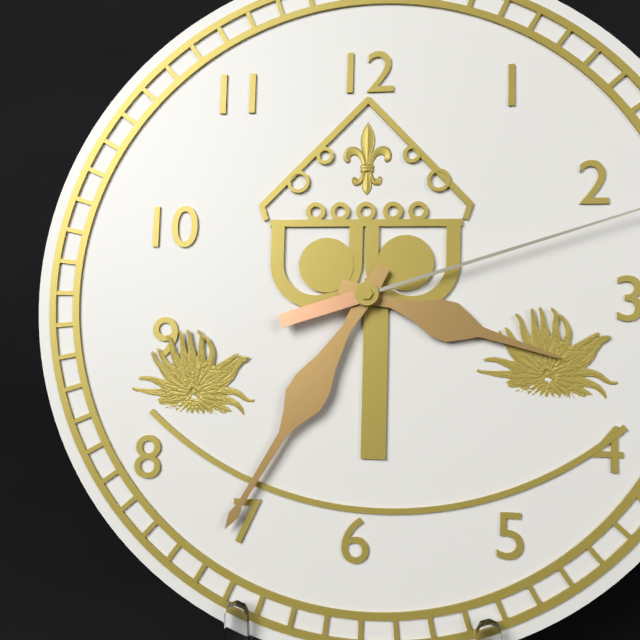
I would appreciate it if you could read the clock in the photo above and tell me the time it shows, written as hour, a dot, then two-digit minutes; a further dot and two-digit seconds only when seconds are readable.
3.35
